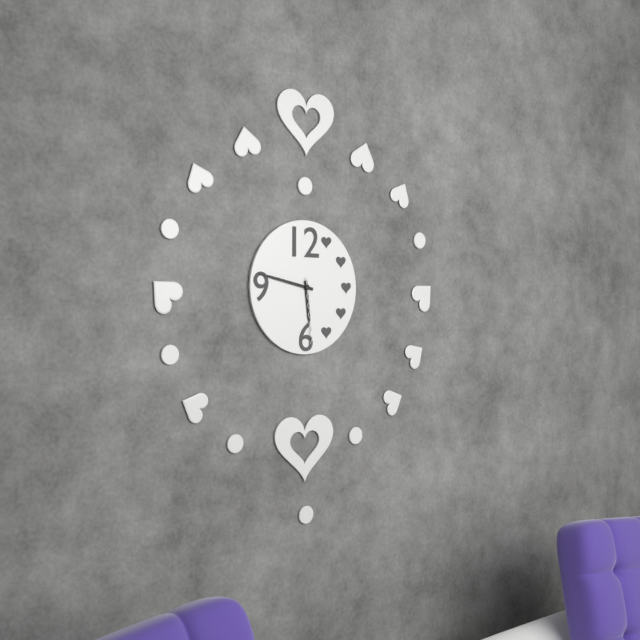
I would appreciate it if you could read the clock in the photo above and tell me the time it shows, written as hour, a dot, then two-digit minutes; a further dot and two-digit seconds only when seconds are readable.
5.47.29
